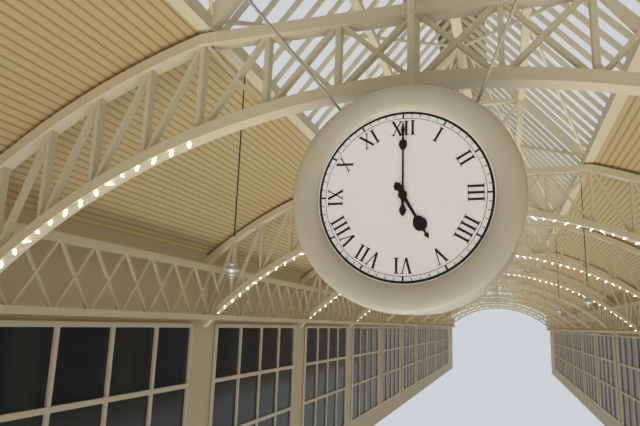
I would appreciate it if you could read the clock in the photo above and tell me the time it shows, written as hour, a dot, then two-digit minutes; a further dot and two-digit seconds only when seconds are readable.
5.00
